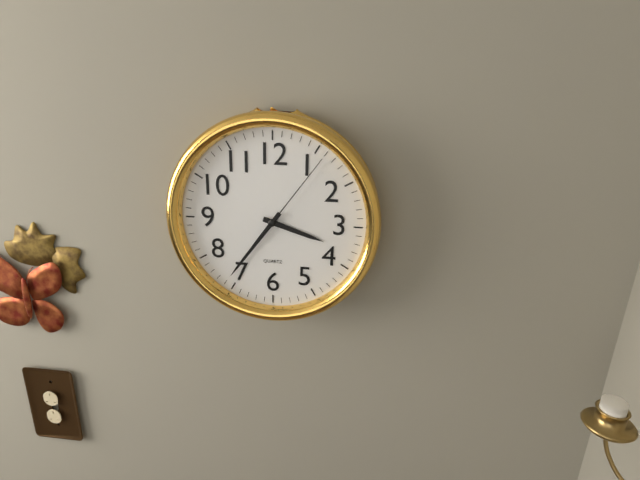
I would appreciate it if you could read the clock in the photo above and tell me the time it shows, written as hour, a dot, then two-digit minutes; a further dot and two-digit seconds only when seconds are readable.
3.36.06
